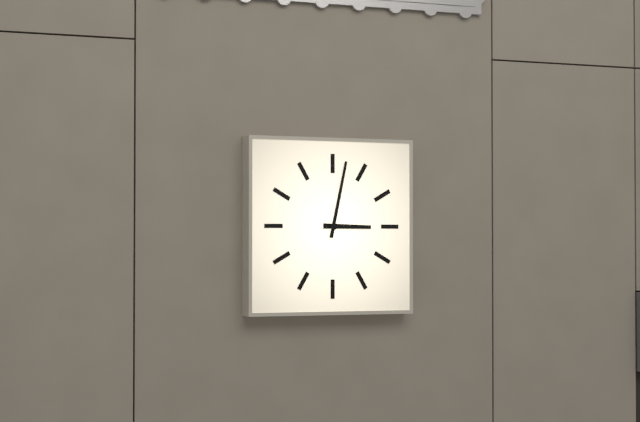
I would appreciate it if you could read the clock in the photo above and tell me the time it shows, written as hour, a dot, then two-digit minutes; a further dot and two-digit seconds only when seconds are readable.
3.02
